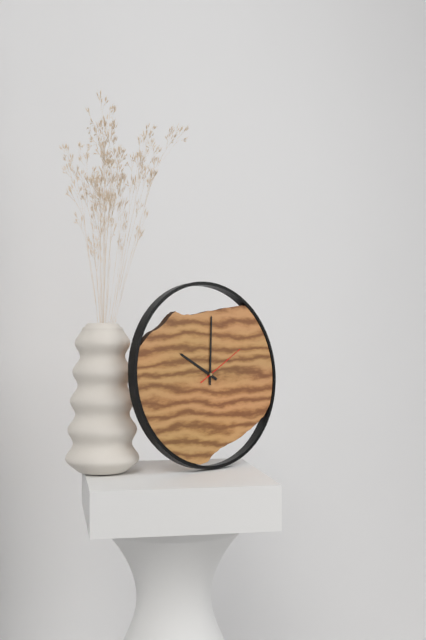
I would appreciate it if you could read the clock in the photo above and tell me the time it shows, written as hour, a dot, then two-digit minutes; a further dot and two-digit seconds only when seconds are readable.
10.01.10
